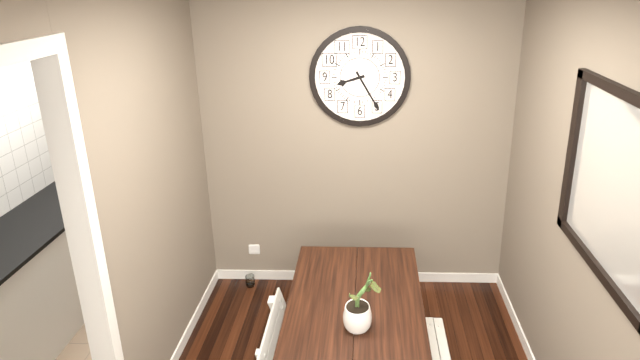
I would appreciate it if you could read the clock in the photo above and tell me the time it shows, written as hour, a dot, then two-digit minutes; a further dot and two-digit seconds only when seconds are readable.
8.25
